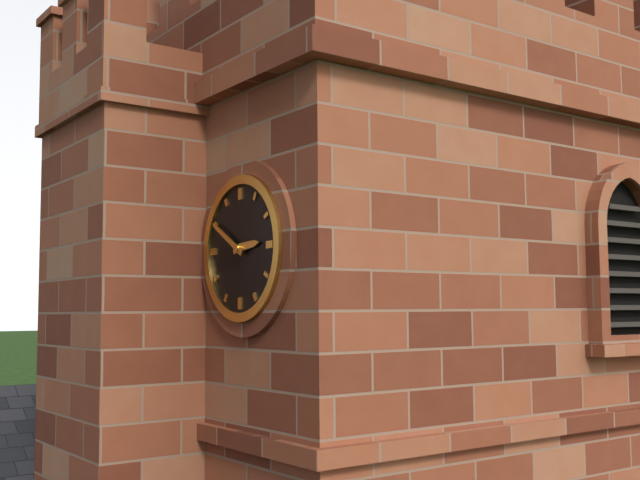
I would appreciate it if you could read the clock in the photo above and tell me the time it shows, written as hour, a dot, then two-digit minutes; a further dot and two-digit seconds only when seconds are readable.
2.50
